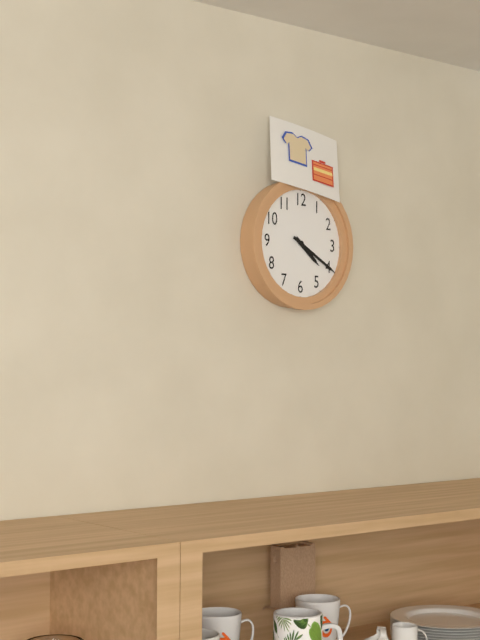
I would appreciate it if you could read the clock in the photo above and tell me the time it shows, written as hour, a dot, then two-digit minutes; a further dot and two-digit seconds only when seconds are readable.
4.20
